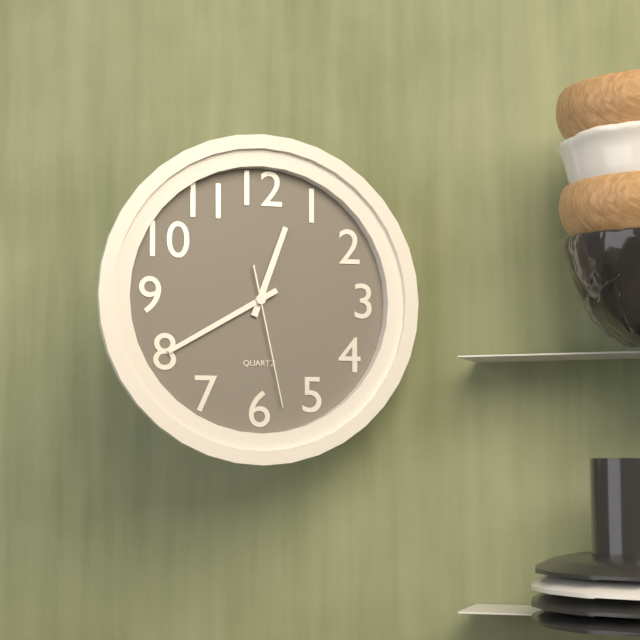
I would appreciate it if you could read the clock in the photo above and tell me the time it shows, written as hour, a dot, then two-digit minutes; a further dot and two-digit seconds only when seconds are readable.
12.40.28
